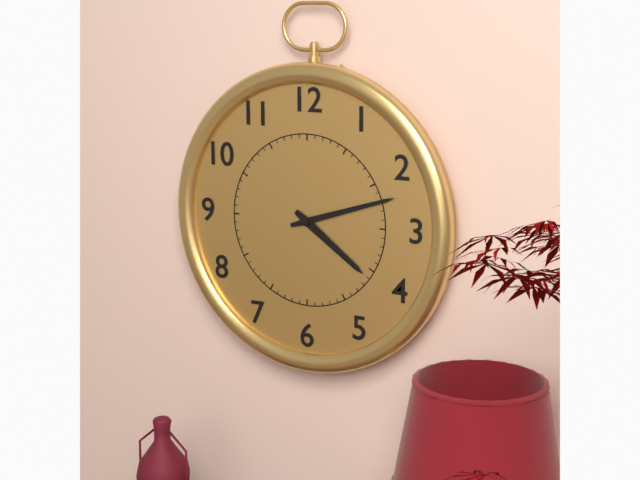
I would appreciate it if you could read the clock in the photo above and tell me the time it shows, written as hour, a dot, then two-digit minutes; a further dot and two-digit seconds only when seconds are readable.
4.12
